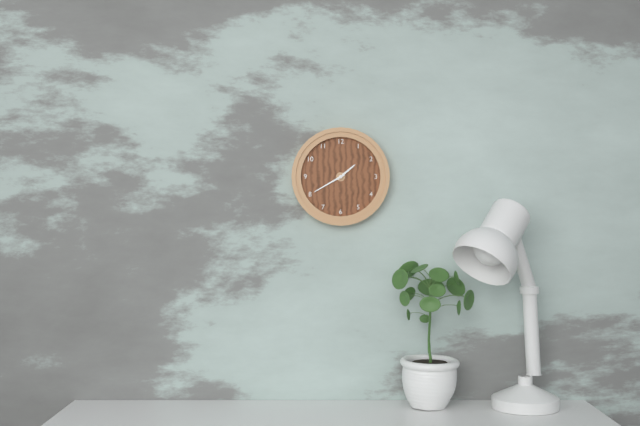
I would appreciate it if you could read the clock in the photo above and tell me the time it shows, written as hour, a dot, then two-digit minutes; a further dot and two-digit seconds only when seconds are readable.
1.40
